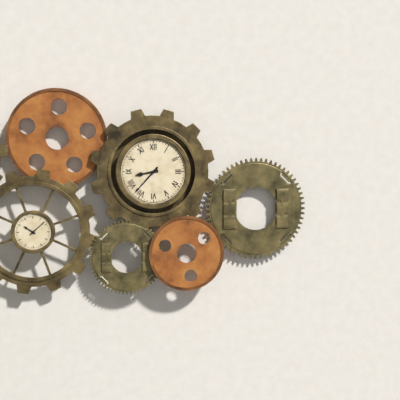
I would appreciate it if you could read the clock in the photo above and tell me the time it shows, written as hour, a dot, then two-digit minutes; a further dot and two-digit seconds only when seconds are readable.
8.37
